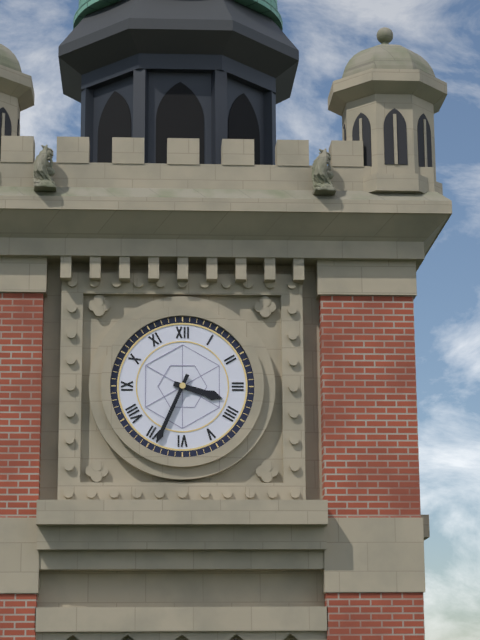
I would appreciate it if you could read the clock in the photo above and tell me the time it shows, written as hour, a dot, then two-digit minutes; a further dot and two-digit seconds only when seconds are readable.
3.34
